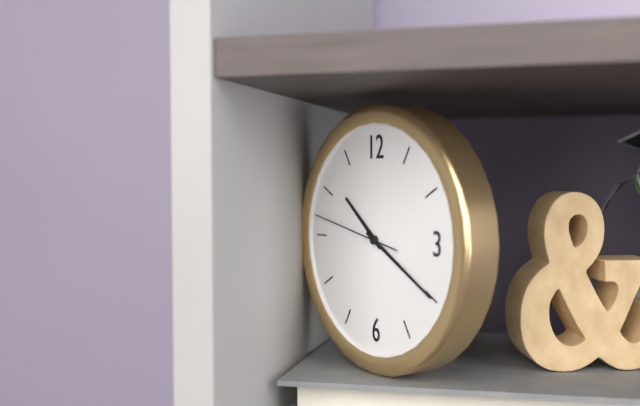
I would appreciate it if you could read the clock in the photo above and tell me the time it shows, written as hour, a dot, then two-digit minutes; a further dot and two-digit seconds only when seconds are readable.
10.20.47
